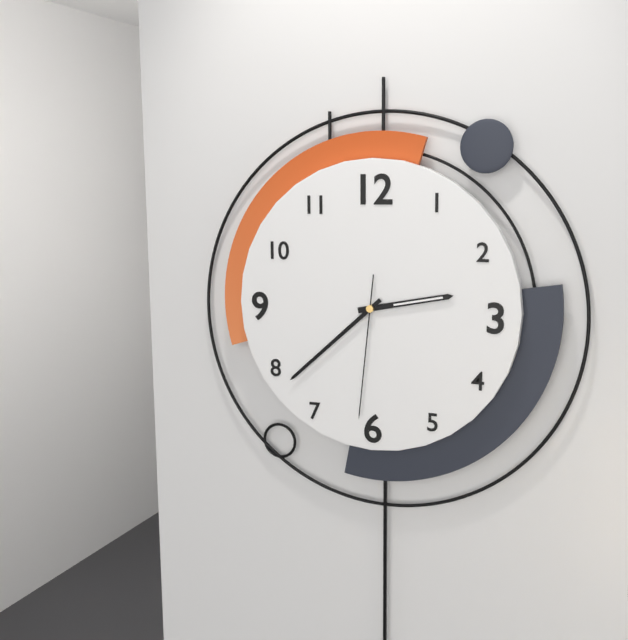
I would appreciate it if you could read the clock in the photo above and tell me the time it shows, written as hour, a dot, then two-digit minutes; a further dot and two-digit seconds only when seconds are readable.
2.38.31
